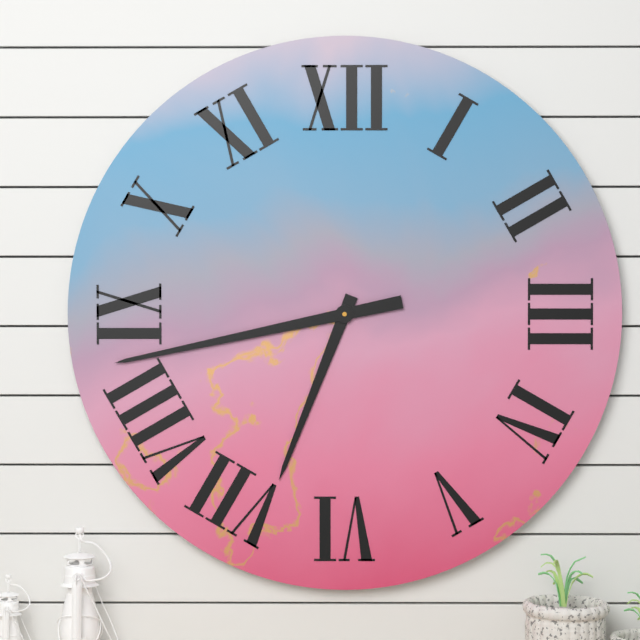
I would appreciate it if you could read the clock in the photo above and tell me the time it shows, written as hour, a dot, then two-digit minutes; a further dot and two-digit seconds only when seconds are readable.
6.43
